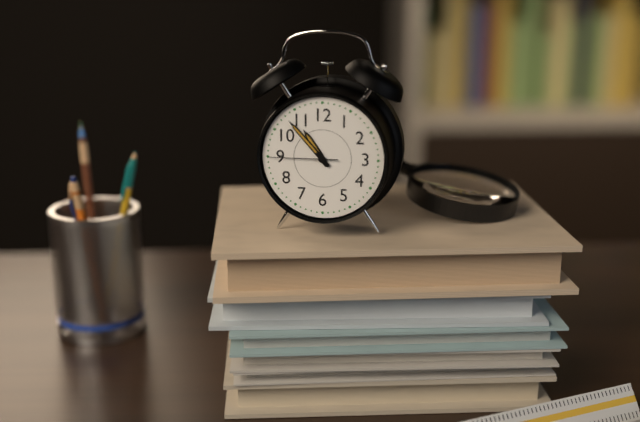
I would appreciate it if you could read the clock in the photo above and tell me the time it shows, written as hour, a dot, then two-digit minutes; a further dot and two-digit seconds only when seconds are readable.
10.53.45
